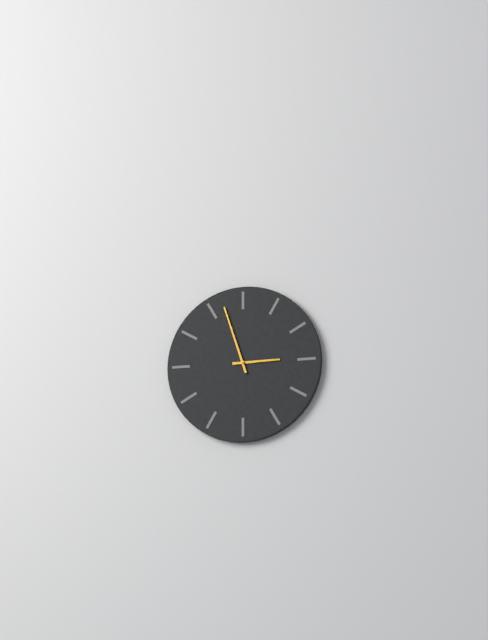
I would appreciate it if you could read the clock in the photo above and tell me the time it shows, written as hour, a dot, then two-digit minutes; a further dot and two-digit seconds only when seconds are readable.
2.57
